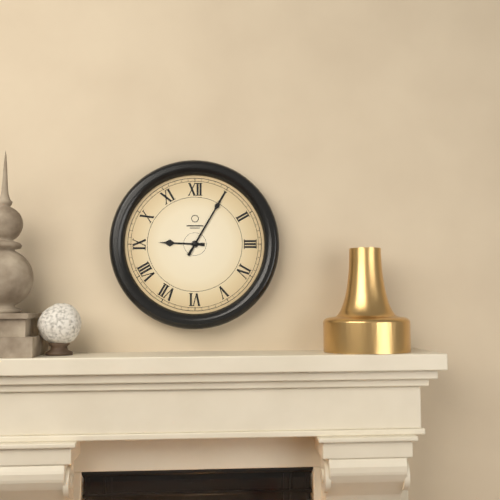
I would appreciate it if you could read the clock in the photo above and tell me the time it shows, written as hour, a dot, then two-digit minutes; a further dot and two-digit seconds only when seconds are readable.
9.05
